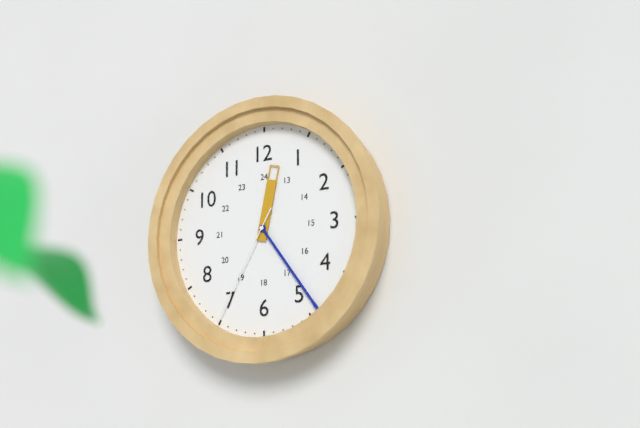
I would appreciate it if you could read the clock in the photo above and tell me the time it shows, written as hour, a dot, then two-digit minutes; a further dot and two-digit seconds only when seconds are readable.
12.24.35
